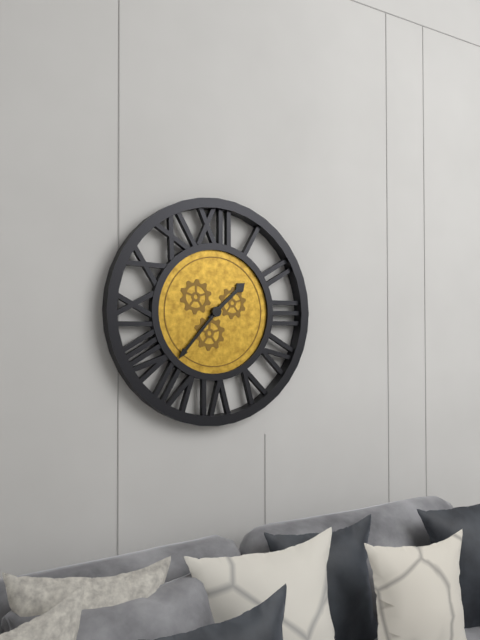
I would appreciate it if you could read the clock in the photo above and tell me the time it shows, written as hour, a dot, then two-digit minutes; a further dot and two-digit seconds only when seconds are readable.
1.37
